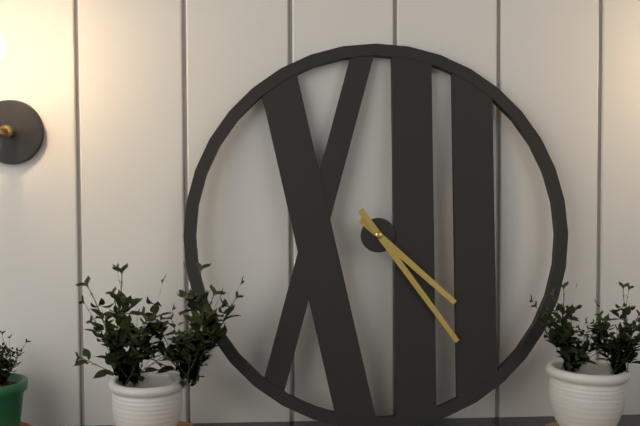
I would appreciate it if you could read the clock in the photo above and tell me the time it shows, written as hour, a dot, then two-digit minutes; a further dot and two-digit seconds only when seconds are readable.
4.24
